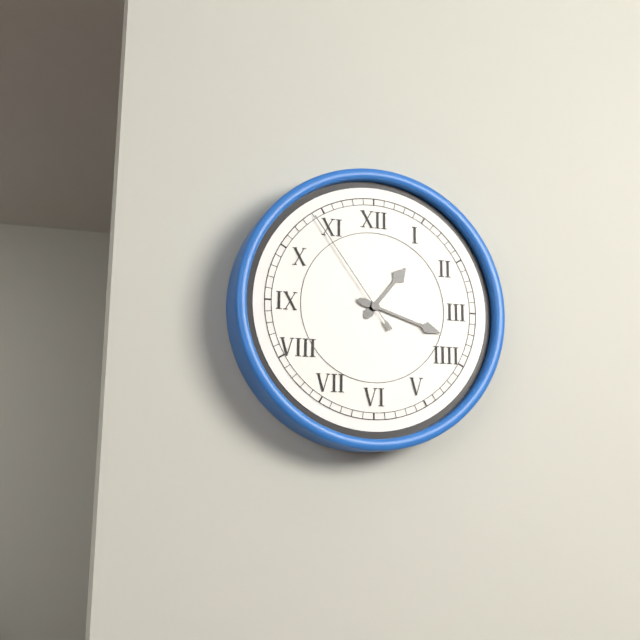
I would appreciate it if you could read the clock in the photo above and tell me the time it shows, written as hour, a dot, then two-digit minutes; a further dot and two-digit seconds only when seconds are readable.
1.18.54
